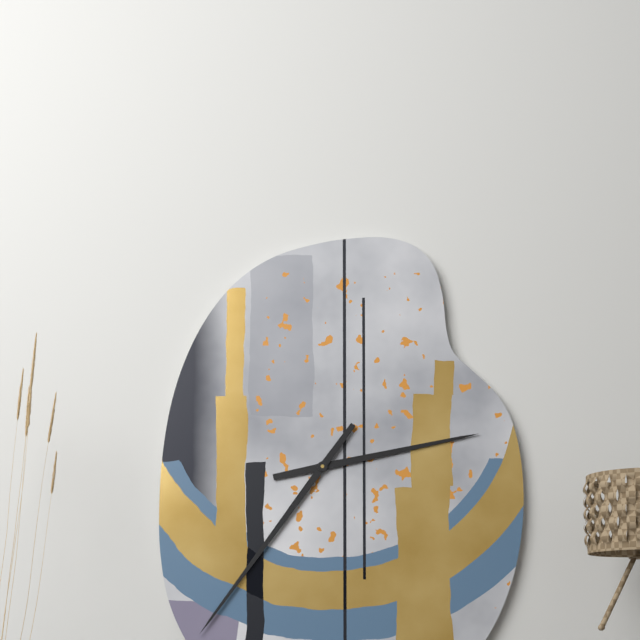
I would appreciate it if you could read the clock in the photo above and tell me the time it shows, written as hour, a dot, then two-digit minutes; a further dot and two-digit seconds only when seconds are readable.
2.36
